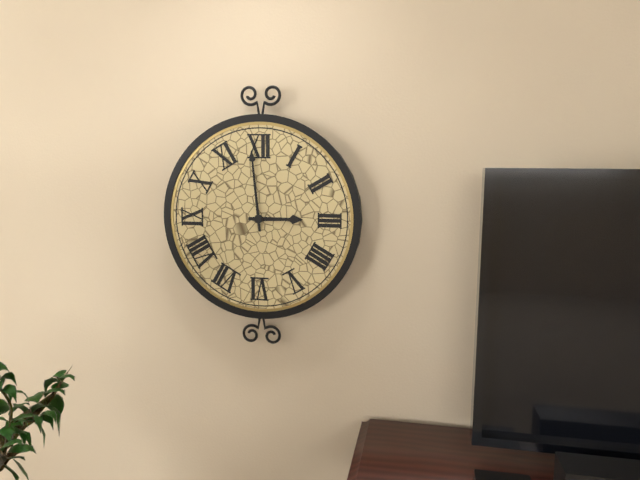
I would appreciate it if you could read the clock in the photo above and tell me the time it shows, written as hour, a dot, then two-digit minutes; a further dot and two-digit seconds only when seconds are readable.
2.59
